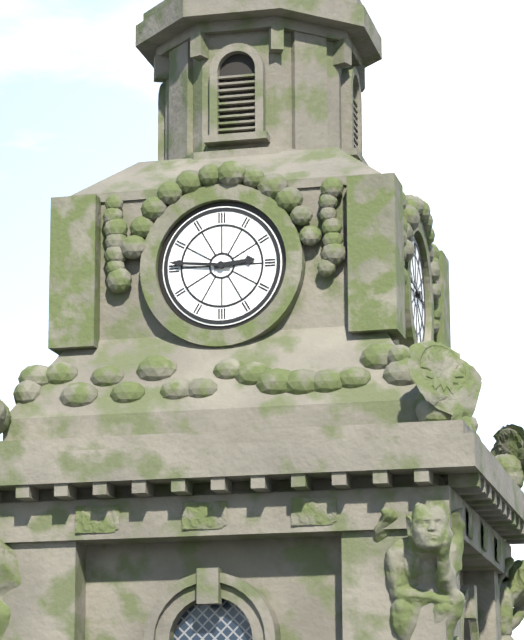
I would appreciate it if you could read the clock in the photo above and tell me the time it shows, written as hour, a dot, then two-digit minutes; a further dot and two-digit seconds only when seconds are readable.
2.46
